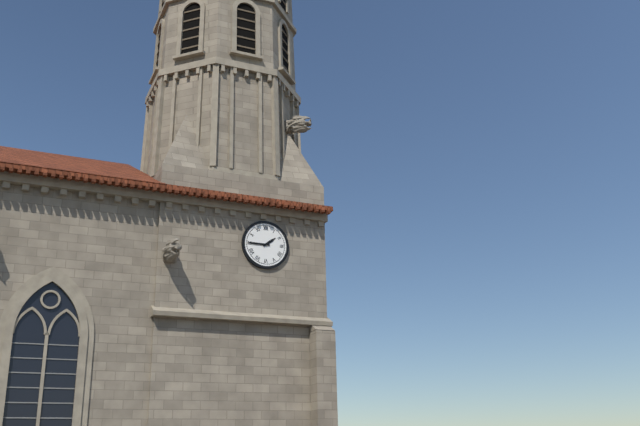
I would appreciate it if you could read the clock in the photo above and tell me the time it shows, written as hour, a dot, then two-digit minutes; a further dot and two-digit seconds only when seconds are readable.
1.45
